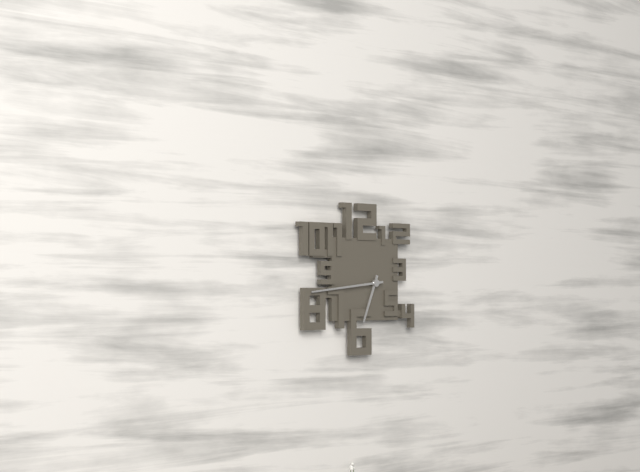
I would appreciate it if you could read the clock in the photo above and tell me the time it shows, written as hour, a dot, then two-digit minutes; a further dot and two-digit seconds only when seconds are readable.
6.44
